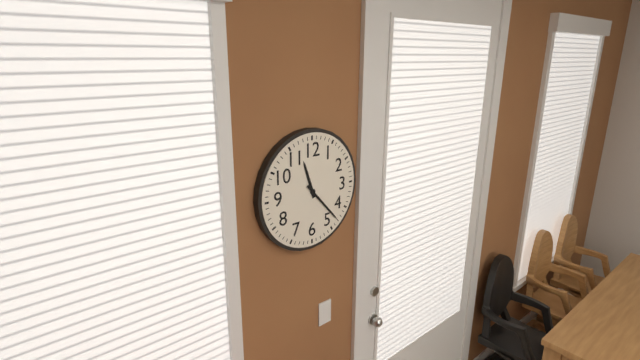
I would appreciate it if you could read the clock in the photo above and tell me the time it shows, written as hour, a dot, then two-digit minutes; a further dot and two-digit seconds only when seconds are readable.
11.23
